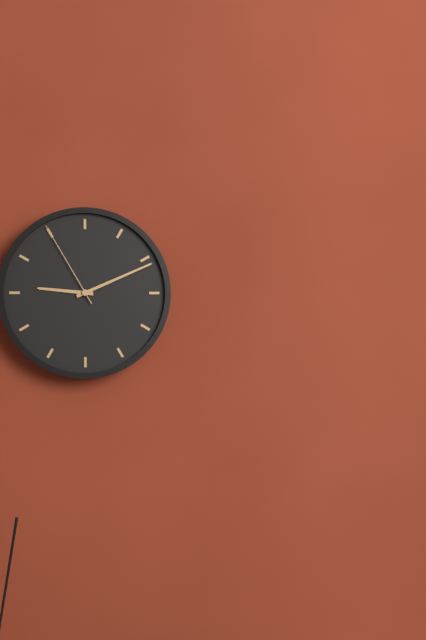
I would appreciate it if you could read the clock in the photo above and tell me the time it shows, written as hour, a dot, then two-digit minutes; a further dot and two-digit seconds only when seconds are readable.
9.11.55
